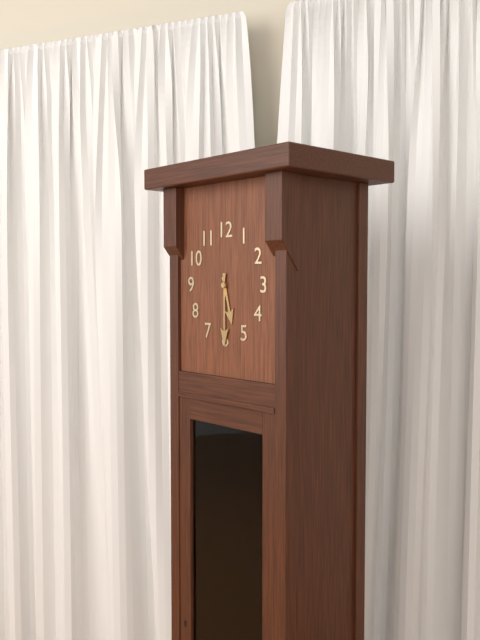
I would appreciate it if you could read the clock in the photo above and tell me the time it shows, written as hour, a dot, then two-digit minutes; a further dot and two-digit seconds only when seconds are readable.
5.30
